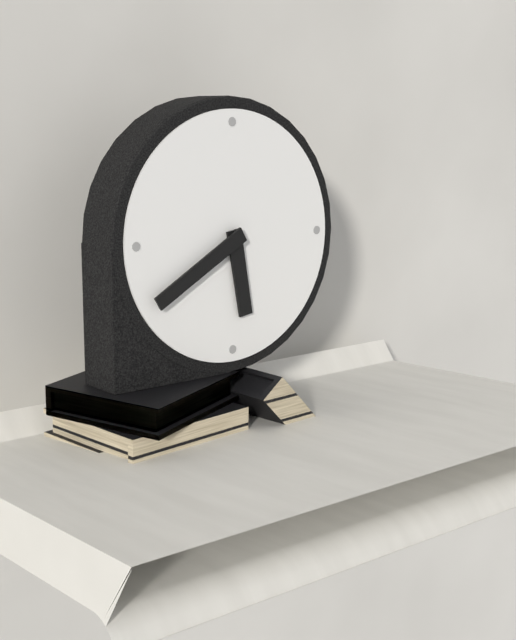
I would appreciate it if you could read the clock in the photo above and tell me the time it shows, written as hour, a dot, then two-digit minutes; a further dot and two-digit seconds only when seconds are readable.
5.40
